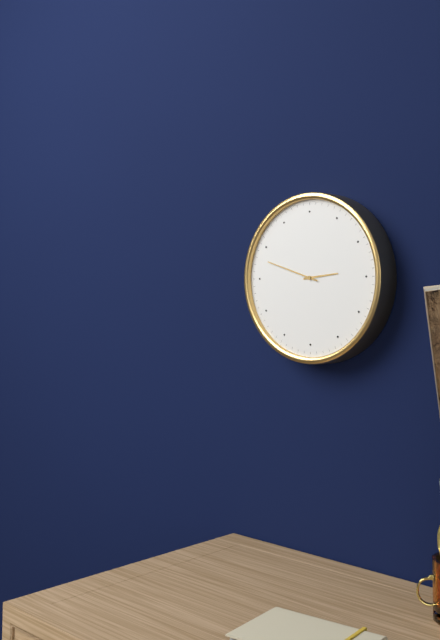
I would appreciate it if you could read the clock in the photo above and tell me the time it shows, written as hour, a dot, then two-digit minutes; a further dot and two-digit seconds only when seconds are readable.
2.48
